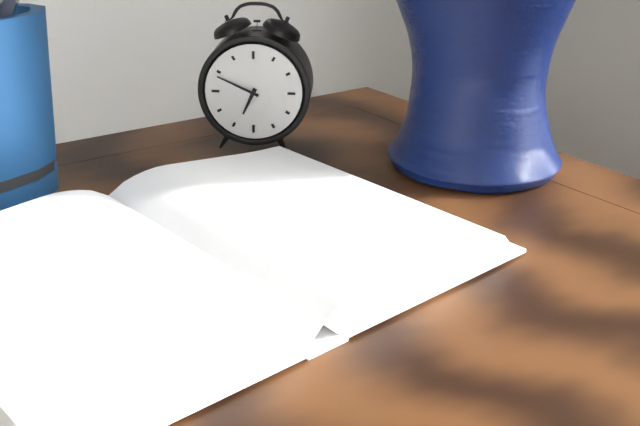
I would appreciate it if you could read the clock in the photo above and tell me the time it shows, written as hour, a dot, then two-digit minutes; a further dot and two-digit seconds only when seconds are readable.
6.49
